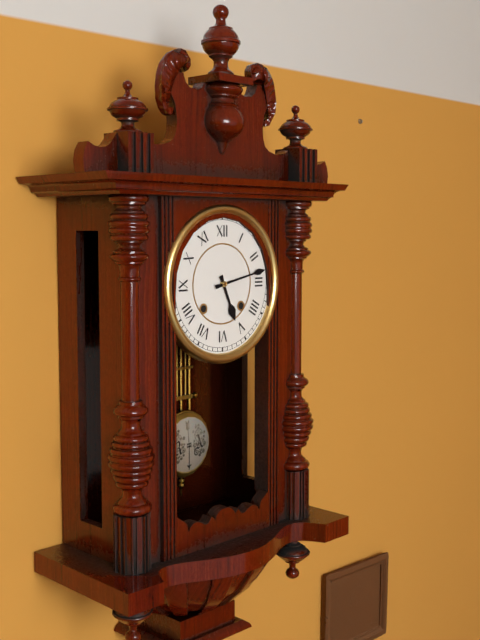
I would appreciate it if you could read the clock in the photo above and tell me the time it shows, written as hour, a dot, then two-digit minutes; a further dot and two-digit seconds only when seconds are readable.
5.13
